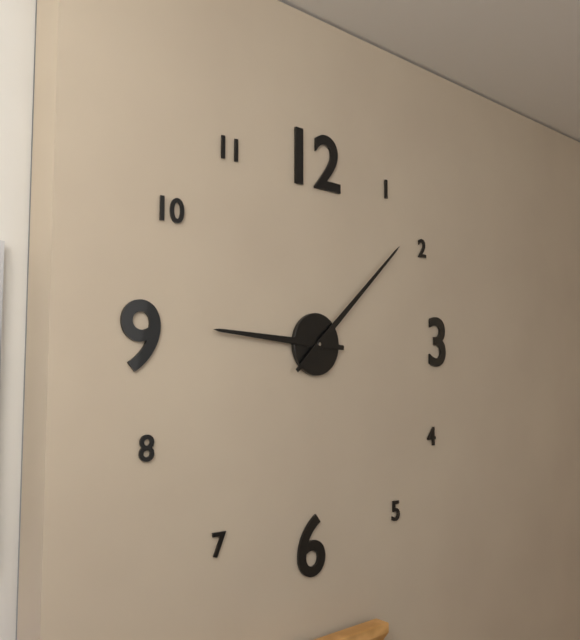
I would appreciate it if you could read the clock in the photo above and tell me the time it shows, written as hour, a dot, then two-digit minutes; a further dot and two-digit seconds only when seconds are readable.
9.08
